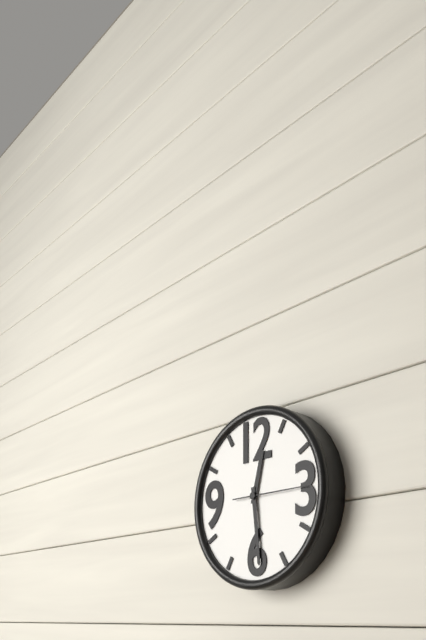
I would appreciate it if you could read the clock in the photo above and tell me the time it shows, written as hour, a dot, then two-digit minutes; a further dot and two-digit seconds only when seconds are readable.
12.29.15
